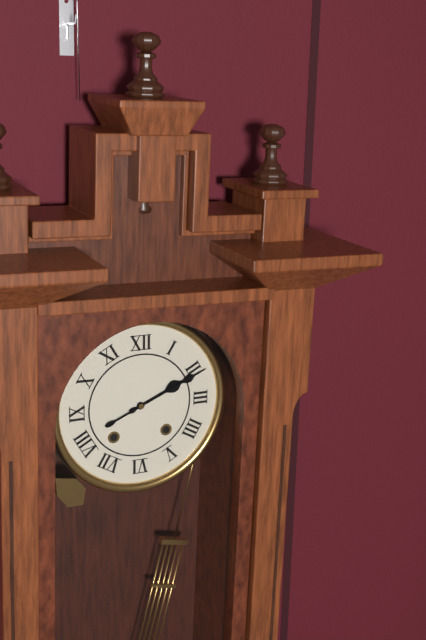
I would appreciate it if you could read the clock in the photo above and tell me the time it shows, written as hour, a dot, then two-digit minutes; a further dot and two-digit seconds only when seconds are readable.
2.11
